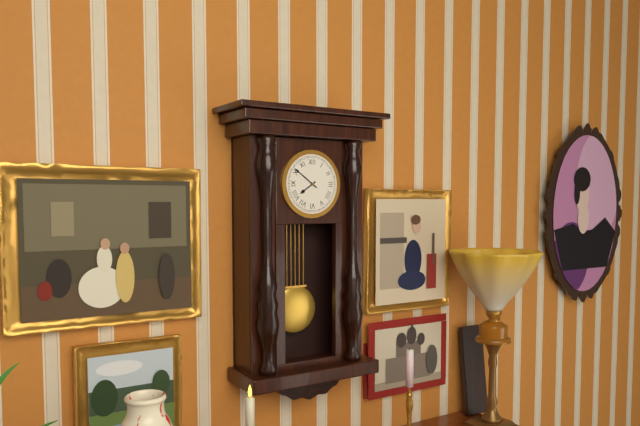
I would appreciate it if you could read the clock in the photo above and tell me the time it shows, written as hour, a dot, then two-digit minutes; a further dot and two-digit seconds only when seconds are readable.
7.51
